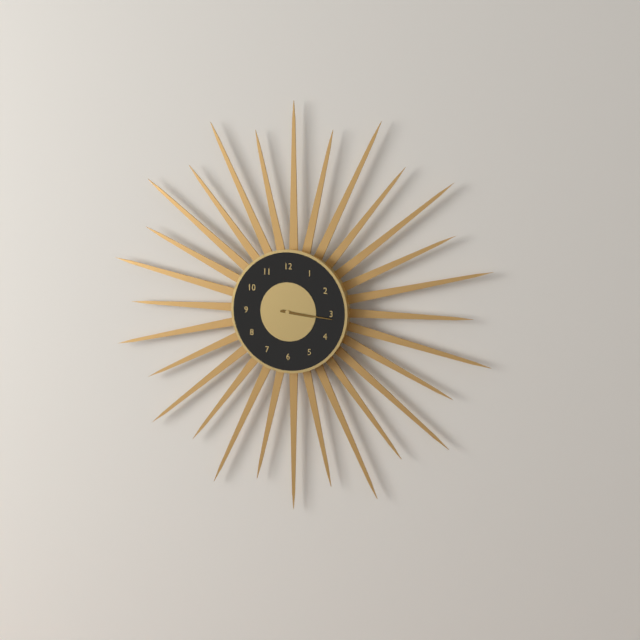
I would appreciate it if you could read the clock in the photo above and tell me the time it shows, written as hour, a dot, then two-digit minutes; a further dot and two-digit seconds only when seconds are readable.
3.16
